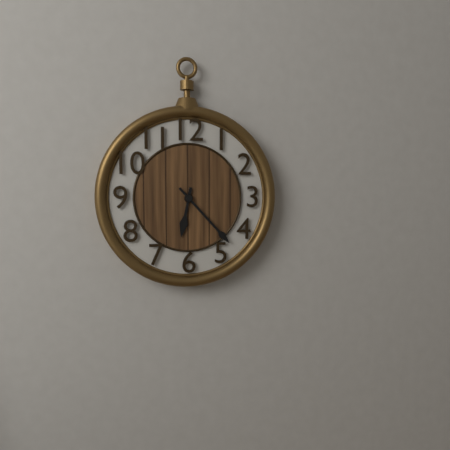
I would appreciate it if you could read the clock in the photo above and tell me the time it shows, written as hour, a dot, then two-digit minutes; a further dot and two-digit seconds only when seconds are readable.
6.23
